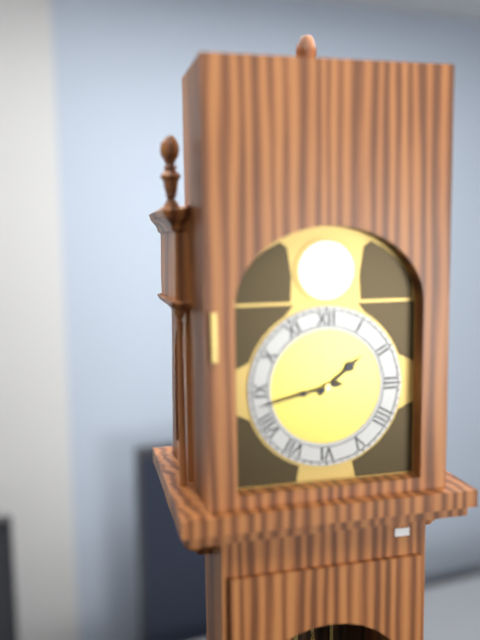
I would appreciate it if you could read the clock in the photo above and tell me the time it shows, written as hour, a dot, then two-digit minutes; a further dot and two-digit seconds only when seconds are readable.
1.43
